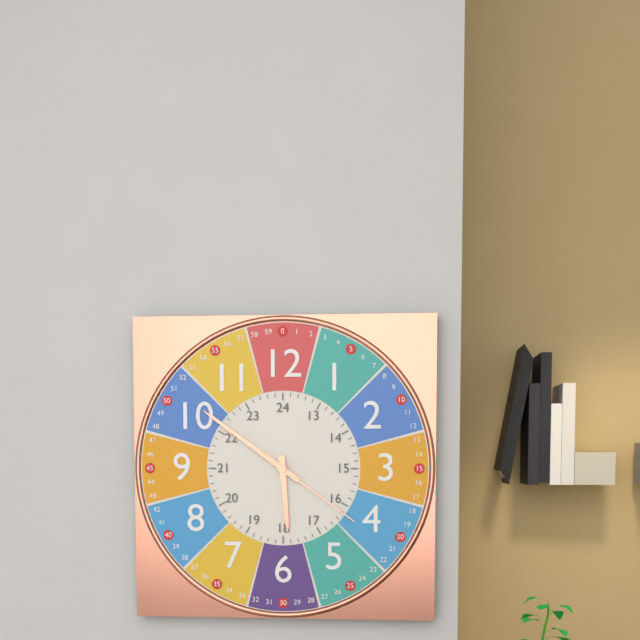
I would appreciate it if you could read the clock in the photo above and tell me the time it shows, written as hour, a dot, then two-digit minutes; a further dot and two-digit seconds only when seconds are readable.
5.51.21
